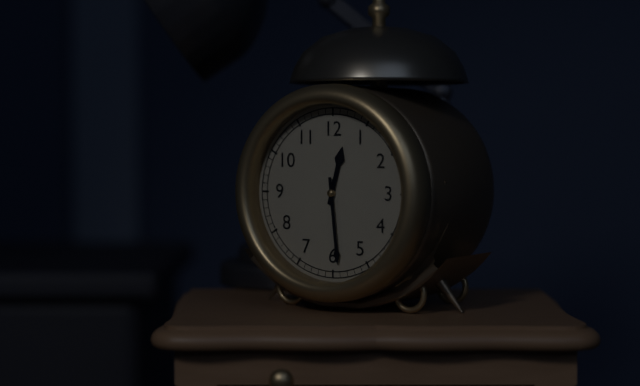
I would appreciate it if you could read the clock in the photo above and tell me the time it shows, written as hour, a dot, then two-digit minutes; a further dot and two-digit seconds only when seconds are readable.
12.29
